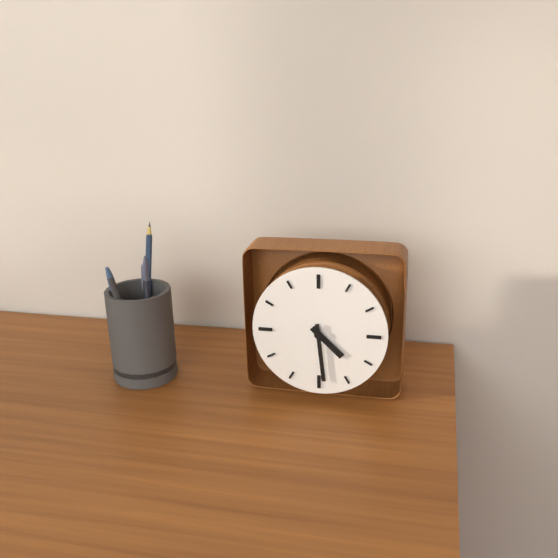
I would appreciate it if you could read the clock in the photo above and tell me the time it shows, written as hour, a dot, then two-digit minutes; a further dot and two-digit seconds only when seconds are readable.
4.29
